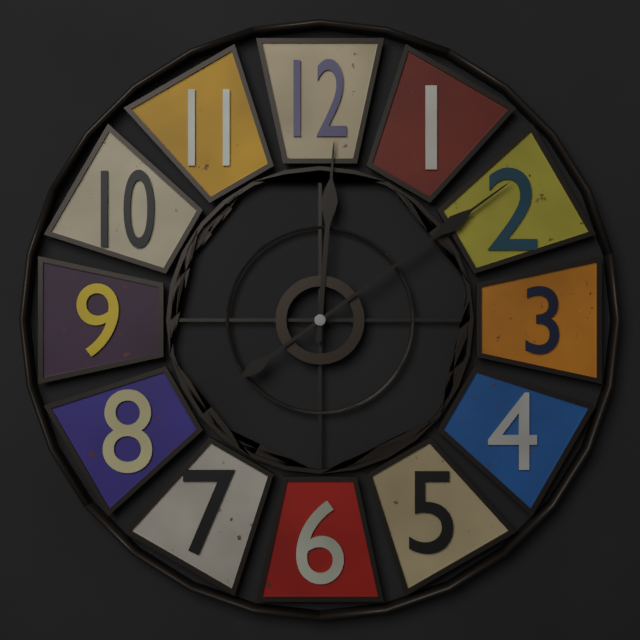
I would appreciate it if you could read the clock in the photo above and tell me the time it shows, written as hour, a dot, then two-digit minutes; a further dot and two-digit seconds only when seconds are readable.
12.09
